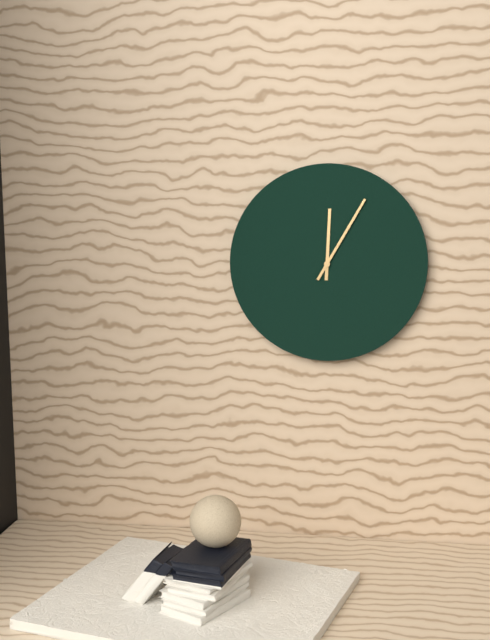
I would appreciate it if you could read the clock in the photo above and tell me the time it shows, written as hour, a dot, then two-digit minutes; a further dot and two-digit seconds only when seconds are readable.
12.05
